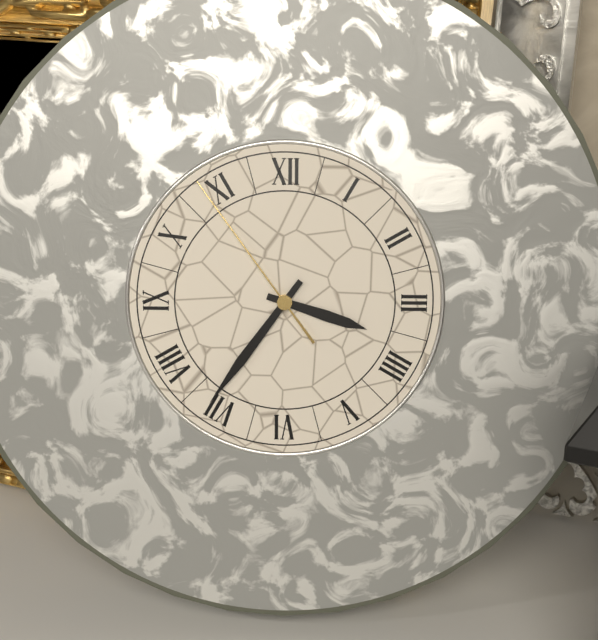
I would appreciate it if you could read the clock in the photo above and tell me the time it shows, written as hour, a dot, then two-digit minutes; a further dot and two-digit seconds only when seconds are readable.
3.36.54
